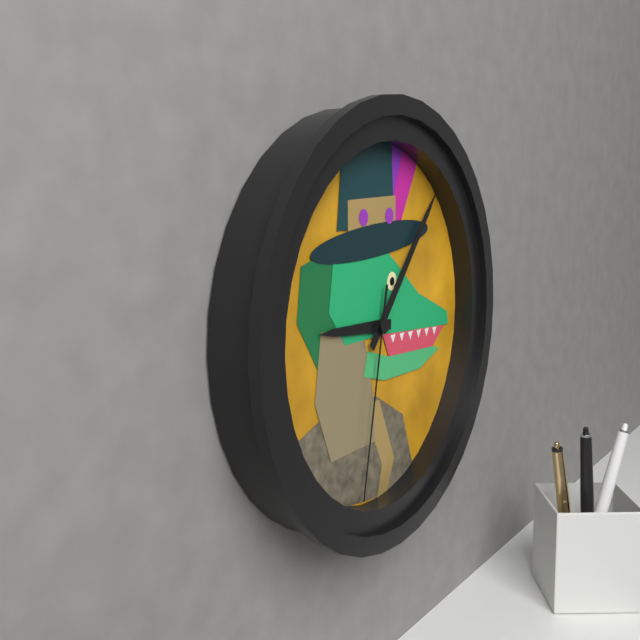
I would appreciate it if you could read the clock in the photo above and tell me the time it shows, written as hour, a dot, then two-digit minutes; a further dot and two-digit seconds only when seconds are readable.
9.07.32
